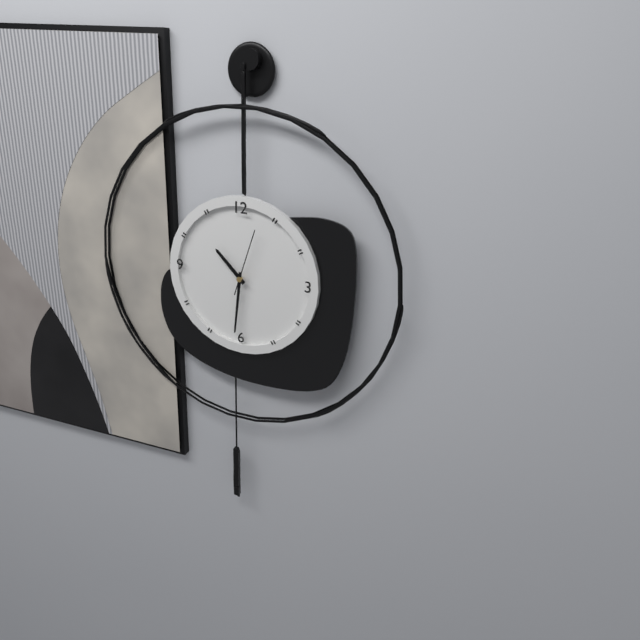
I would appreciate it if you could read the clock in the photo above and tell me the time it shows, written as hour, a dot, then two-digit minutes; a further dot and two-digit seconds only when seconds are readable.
10.31.03
